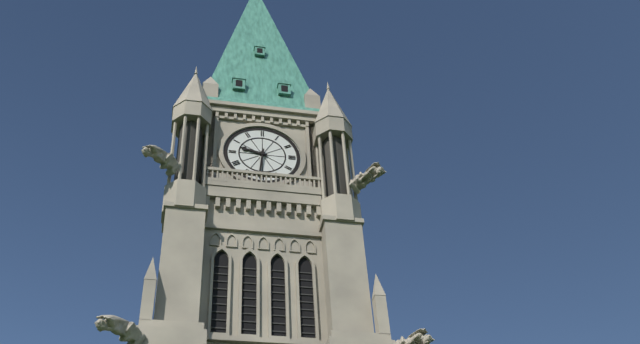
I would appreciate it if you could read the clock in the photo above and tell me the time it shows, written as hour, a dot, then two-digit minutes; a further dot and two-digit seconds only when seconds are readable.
9.31
